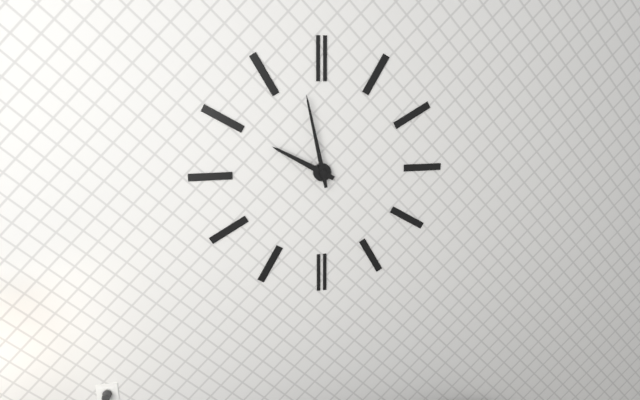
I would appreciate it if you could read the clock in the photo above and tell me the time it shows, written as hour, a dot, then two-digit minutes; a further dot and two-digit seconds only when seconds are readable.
9.58
